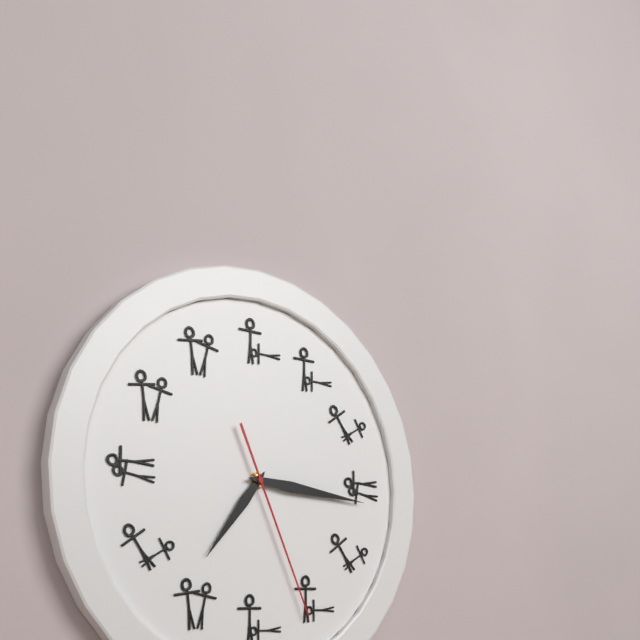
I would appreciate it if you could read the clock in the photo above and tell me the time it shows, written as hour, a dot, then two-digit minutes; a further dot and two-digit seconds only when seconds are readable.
7.16.26
